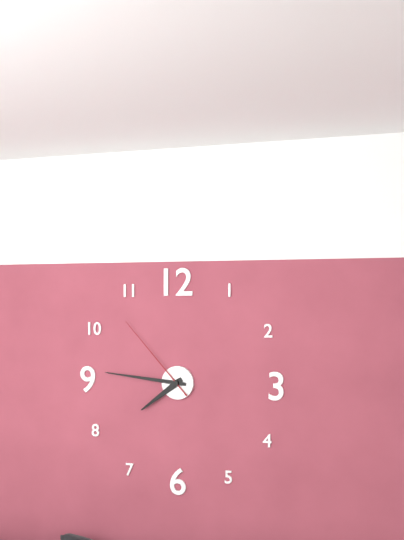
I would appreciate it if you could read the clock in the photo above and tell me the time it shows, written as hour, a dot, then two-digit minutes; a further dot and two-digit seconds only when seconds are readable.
7.46.53
